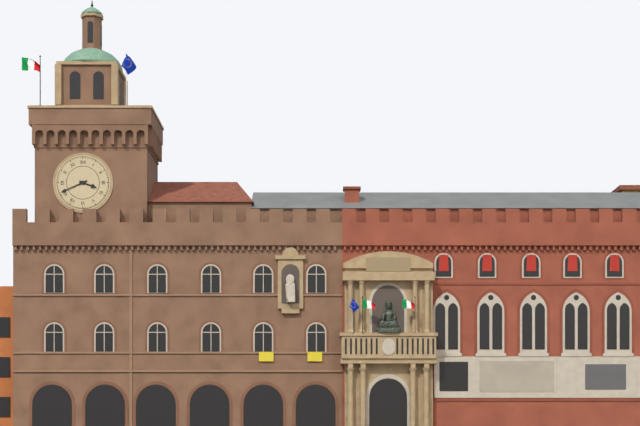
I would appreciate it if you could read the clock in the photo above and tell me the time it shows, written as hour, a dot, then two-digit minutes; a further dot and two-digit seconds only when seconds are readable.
3.41
